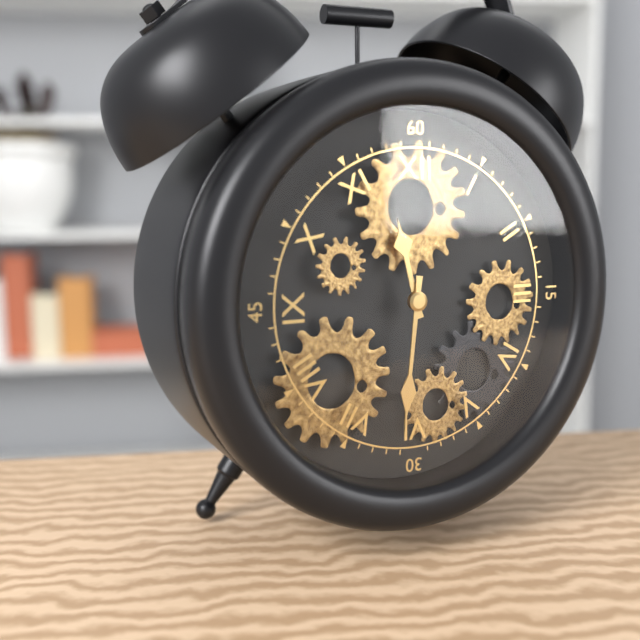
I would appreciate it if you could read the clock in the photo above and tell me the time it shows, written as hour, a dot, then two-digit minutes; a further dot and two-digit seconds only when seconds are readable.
11.31
